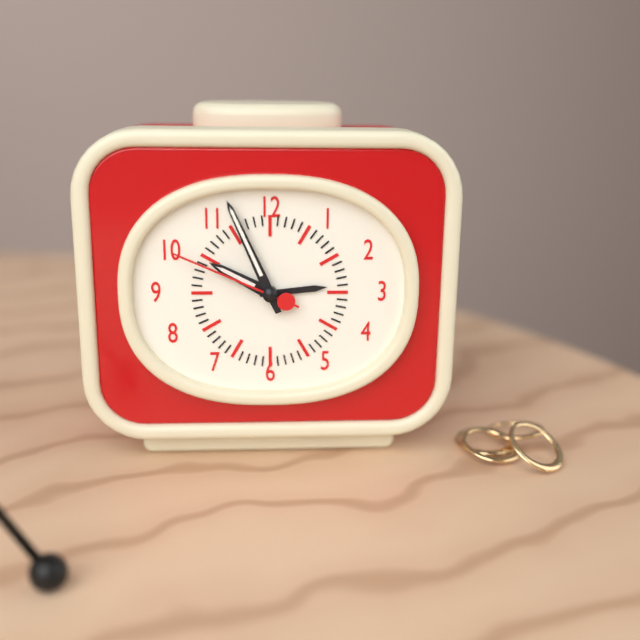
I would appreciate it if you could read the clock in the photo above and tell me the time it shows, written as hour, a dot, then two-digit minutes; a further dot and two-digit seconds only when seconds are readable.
9.56.49
